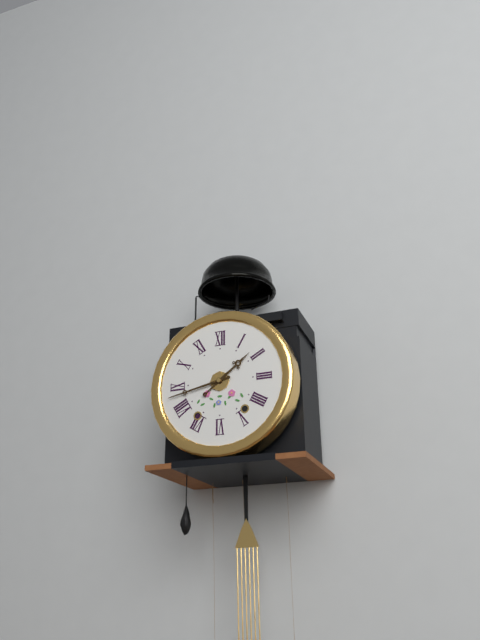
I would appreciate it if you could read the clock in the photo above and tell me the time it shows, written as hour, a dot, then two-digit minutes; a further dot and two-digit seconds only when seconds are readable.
1.43
